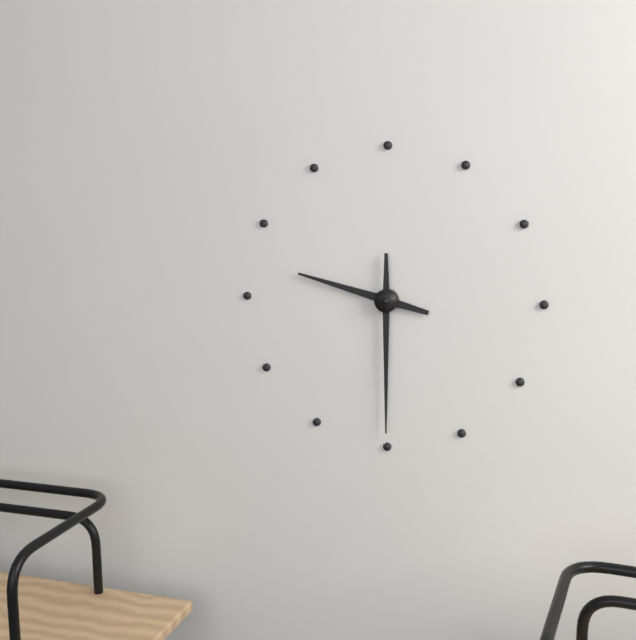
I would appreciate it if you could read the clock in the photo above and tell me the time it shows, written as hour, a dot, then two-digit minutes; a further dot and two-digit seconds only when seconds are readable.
9.30
